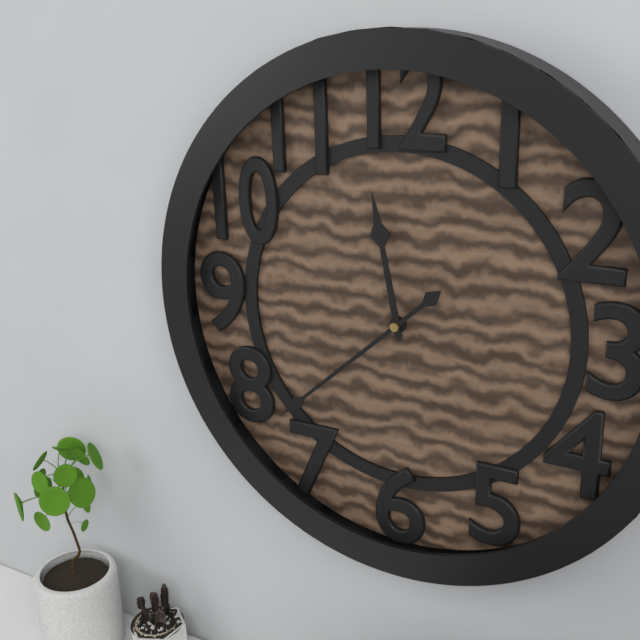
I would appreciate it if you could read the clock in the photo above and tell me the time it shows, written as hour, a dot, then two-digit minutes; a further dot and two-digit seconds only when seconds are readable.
11.38
